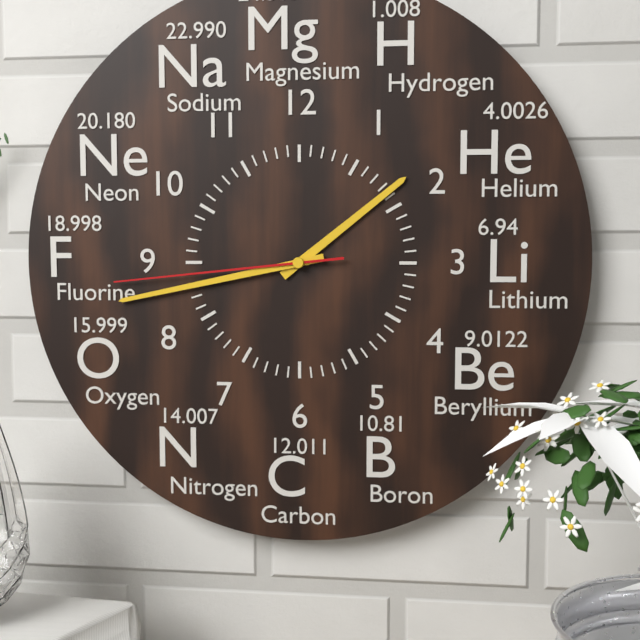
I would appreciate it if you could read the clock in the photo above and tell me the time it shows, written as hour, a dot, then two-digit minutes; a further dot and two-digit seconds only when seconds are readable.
1.43.44
